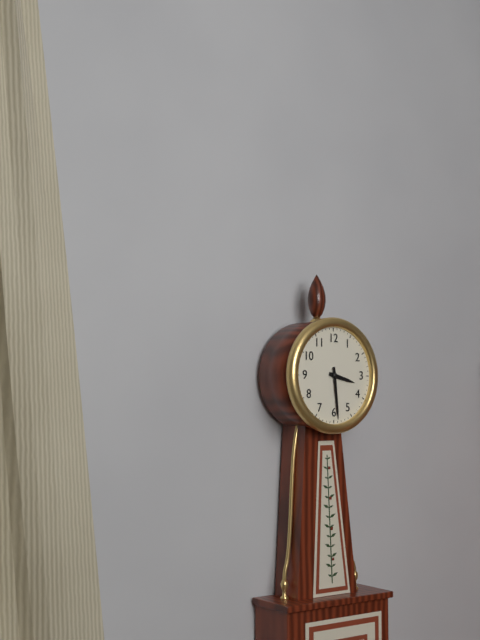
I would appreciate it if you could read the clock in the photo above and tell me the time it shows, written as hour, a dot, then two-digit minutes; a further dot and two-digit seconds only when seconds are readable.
3.29
